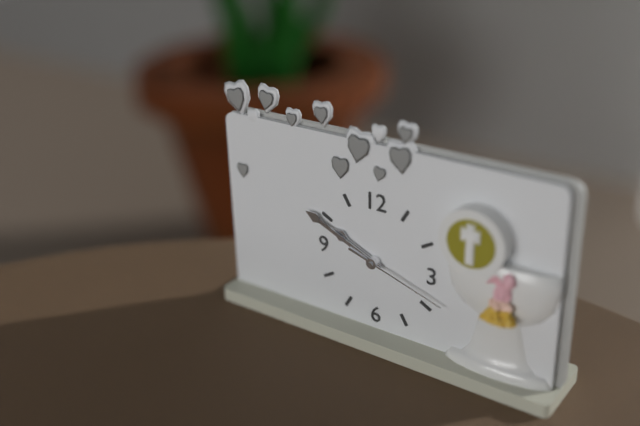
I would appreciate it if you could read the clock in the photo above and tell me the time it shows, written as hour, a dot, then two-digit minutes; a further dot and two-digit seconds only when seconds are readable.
9.49.18
